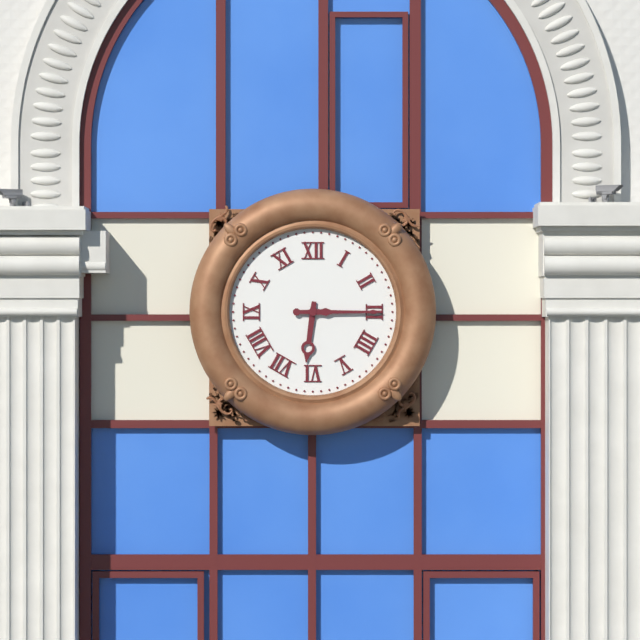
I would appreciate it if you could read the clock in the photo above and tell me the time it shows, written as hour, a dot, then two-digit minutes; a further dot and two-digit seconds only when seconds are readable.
6.15
